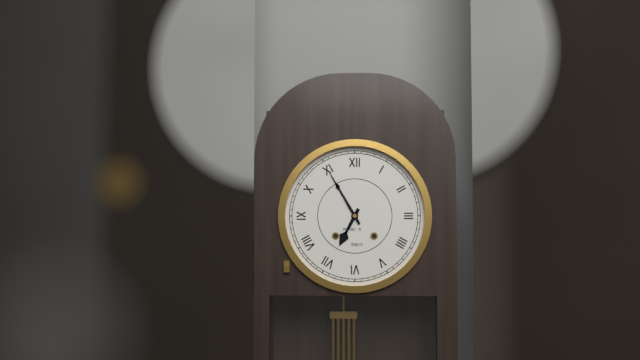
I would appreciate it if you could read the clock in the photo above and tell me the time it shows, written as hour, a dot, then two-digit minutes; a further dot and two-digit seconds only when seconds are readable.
6.55
